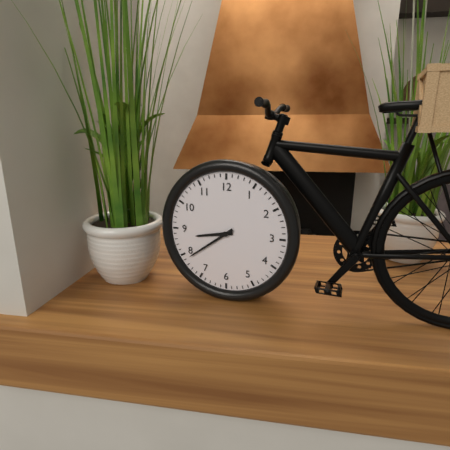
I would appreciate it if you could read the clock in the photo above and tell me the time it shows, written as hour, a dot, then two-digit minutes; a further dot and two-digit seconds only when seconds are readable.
8.39
